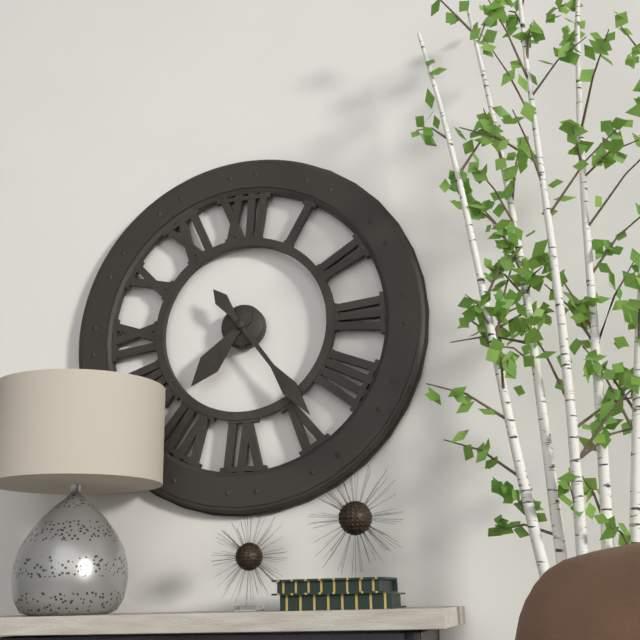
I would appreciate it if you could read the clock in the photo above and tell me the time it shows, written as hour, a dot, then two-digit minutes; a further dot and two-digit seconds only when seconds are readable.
7.24
